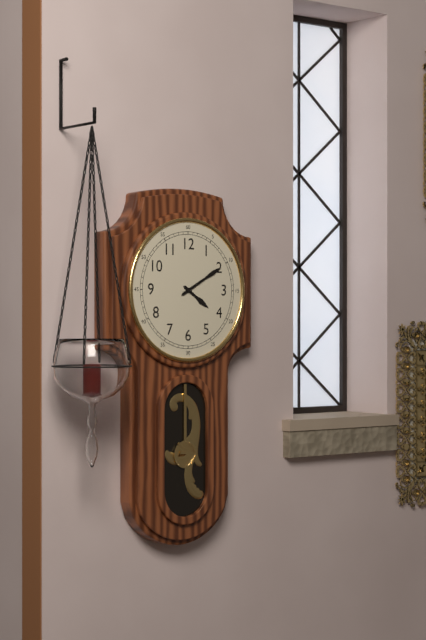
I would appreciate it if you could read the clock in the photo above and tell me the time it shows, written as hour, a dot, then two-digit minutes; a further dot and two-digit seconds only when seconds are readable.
4.10
